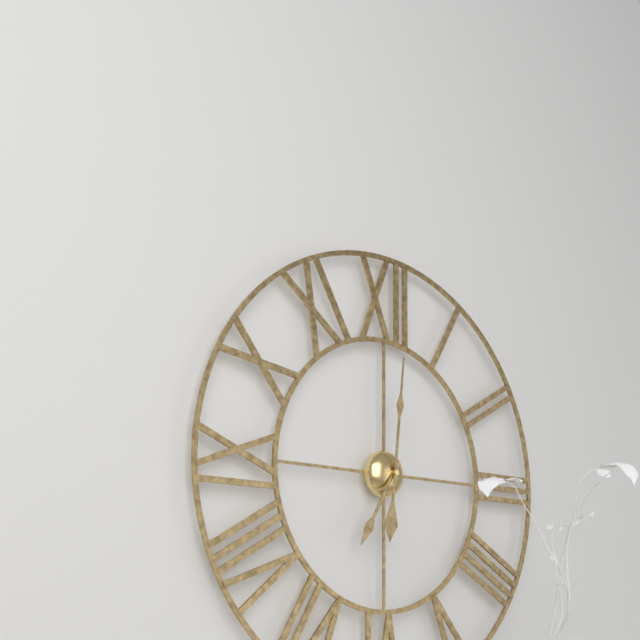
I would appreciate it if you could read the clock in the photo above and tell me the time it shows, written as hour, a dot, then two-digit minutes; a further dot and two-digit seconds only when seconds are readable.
7.01
